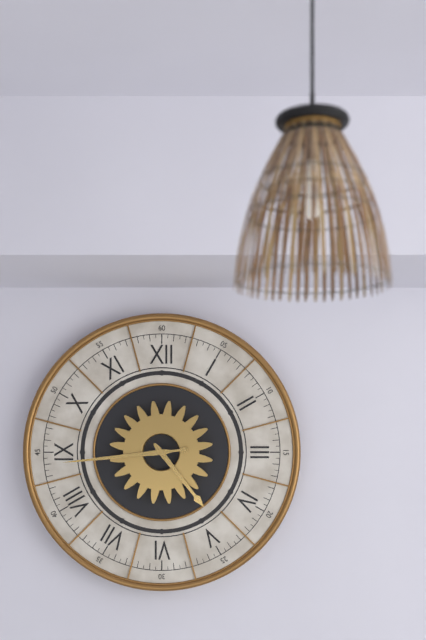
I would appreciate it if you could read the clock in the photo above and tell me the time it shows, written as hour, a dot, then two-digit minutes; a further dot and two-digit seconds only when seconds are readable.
4.44
